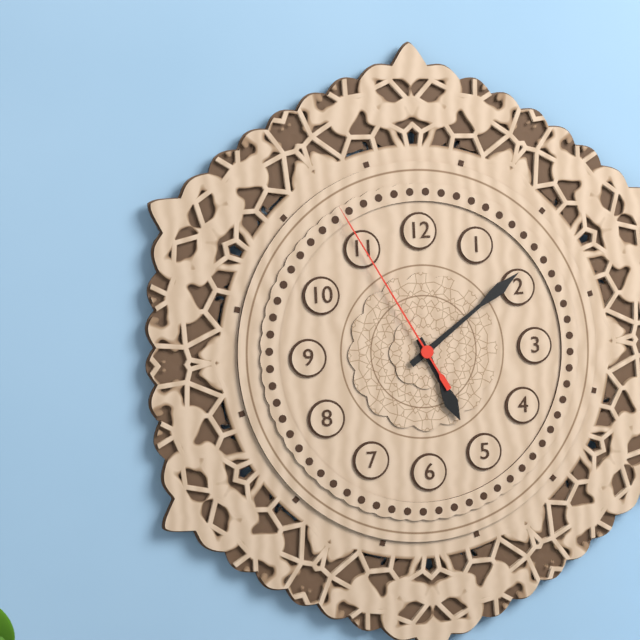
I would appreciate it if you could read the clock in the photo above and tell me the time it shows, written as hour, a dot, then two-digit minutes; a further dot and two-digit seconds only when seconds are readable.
5.09.55
